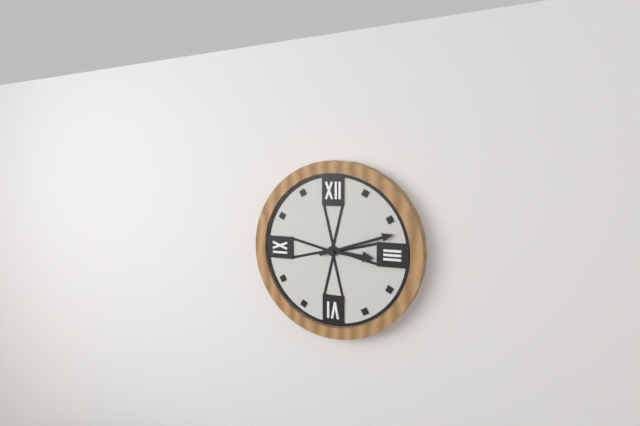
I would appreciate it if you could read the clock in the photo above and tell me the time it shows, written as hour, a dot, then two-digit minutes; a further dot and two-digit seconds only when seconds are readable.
3.12
